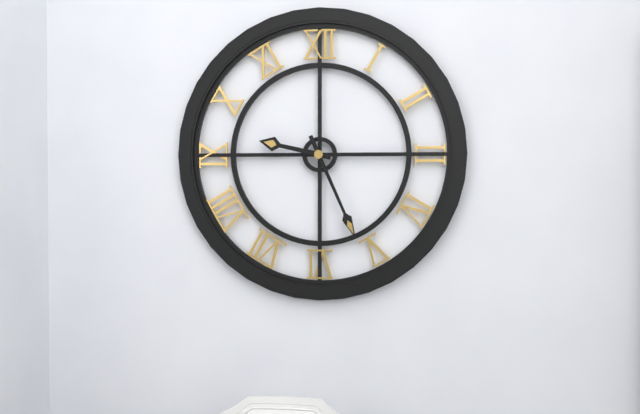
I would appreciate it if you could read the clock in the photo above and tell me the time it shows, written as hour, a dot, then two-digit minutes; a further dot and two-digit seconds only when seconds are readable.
9.26
